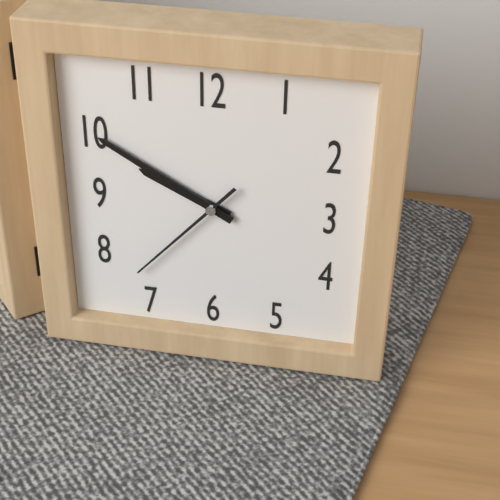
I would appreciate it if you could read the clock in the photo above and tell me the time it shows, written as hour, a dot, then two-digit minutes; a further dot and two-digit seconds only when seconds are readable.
9.50.37
